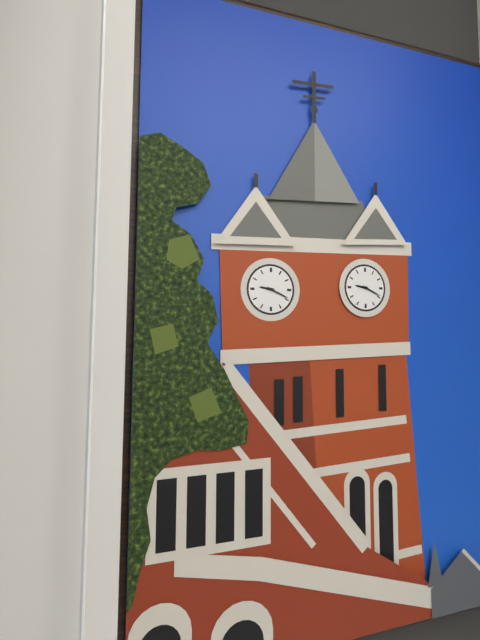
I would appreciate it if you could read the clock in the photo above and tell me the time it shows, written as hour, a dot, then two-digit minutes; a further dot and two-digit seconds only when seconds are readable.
9.19
